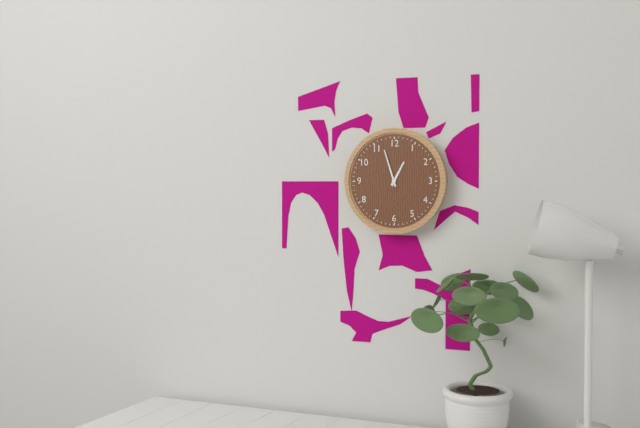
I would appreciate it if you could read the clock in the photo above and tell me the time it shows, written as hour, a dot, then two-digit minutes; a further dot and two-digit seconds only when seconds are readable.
12.57
